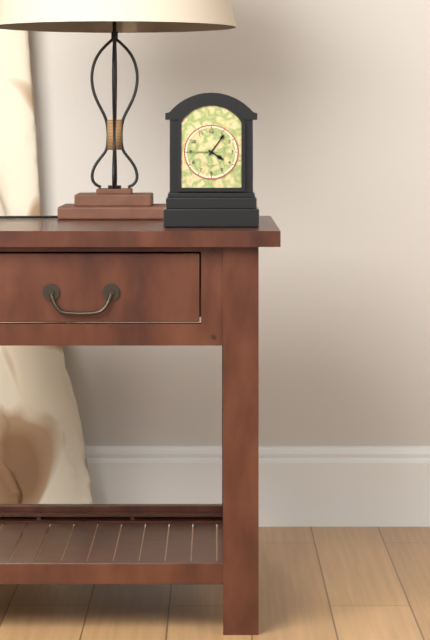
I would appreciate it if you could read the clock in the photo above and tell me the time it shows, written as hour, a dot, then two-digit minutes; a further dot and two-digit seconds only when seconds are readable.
4.06
